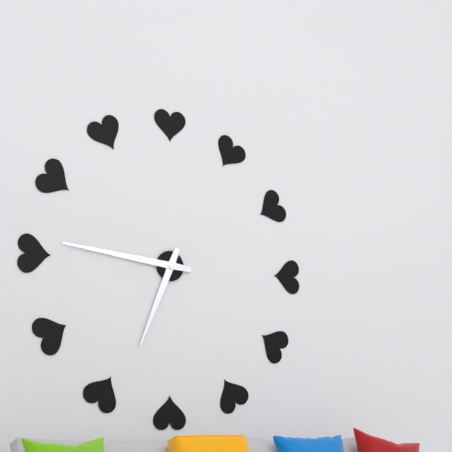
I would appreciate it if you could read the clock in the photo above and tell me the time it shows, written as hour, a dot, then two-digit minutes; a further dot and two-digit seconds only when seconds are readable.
6.46
